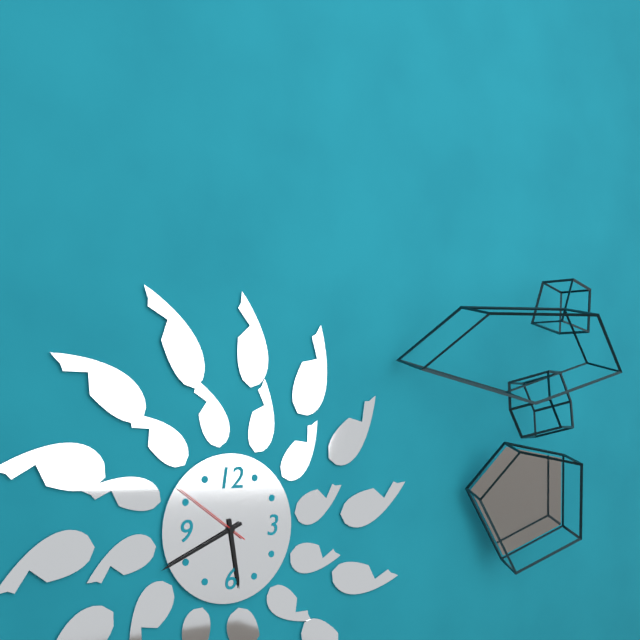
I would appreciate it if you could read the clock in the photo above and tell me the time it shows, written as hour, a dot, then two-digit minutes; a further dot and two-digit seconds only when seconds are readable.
5.41.51
